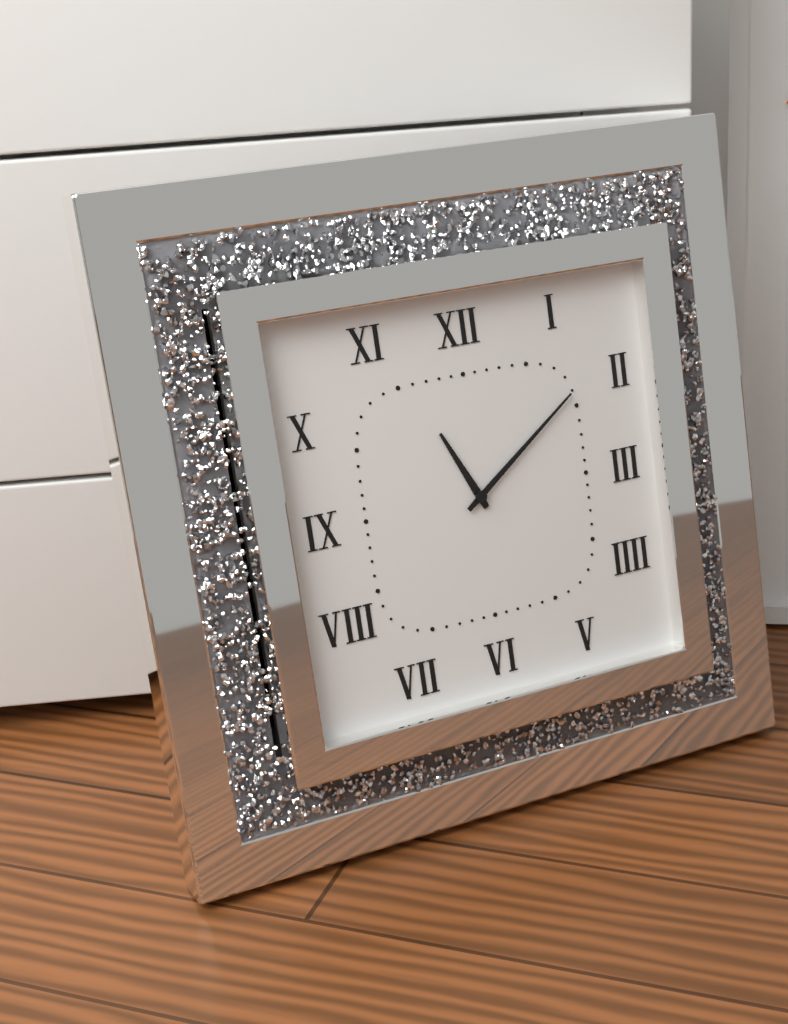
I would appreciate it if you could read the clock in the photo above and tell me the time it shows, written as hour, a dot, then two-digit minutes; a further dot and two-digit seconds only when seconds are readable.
11.09
